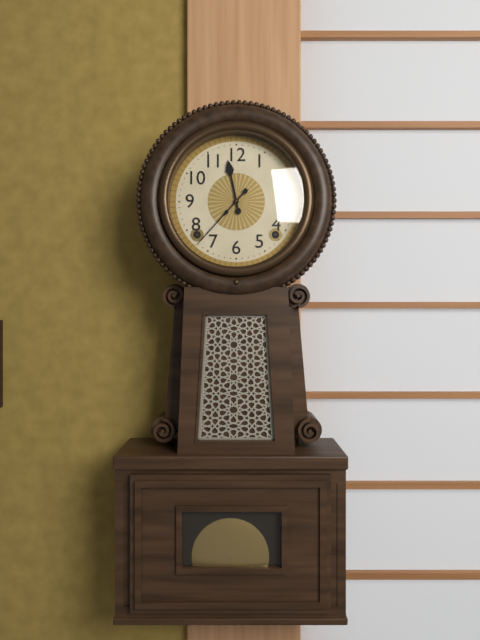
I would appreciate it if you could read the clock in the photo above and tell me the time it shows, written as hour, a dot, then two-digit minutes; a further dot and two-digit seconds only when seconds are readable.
11.37
